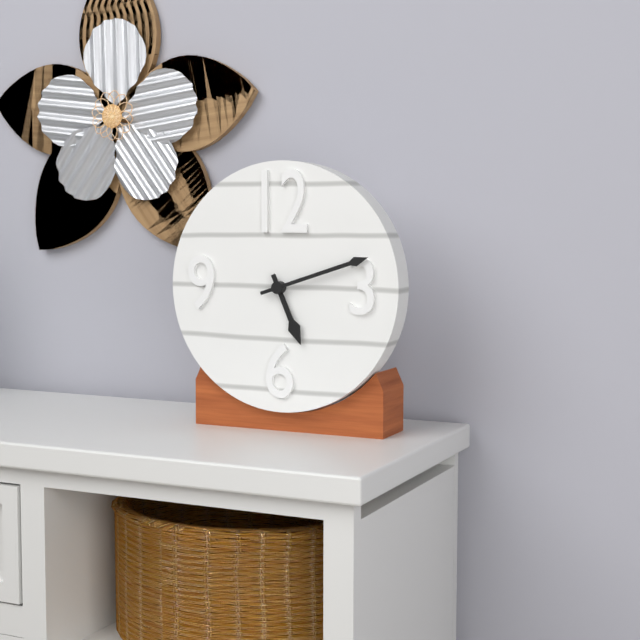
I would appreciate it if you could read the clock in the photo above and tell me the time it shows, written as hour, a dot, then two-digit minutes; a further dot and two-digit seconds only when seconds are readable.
5.12
